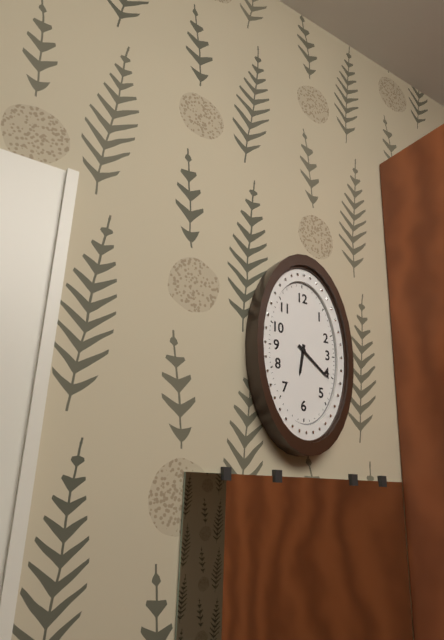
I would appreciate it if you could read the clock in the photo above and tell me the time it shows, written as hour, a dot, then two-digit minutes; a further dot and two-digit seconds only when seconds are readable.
6.21
